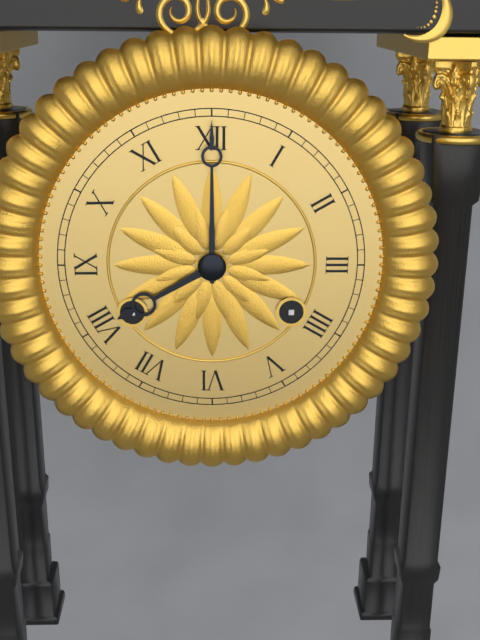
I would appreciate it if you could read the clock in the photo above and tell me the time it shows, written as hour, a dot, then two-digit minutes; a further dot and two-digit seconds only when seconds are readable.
8.00
